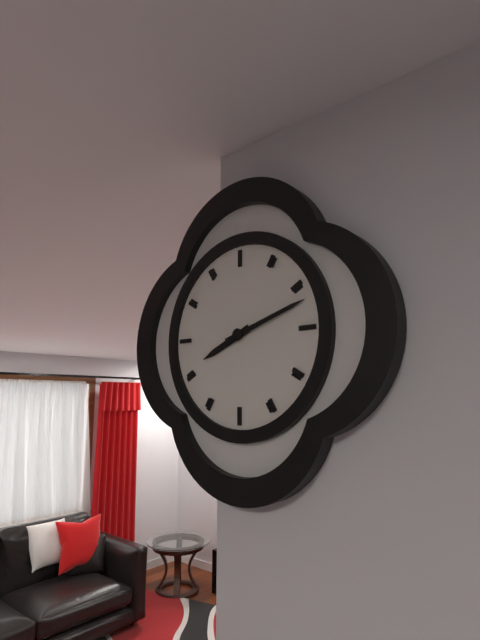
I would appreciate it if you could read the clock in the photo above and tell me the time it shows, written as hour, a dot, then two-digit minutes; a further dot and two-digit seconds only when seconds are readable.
8.12
